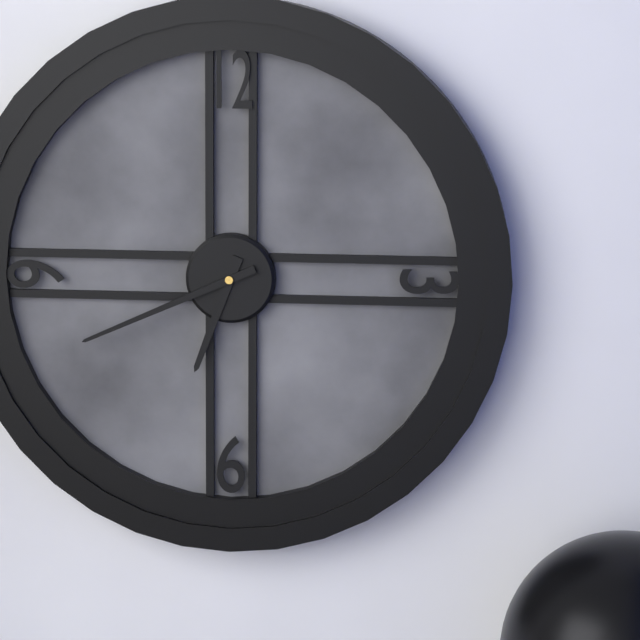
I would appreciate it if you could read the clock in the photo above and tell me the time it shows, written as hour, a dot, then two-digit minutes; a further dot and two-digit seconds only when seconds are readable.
6.41
